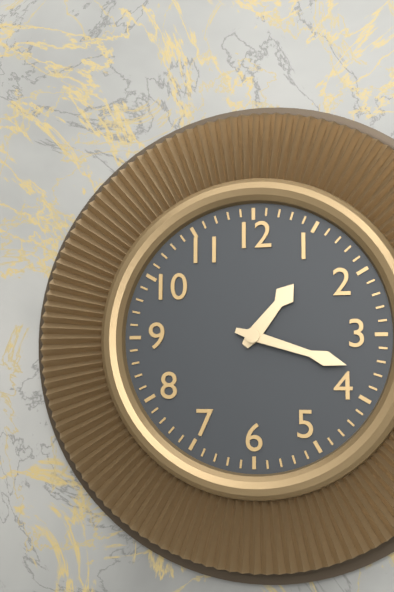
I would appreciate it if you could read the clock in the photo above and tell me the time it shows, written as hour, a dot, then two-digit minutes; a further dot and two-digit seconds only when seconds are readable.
1.18
